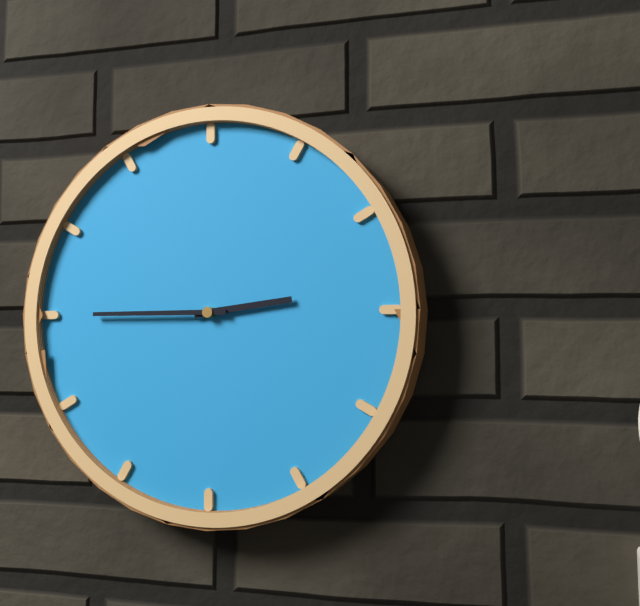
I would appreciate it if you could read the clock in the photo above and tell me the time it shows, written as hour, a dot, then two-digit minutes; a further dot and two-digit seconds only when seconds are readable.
2.45
